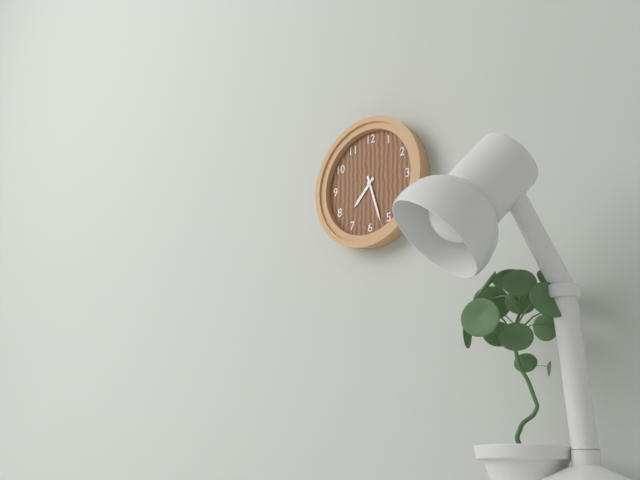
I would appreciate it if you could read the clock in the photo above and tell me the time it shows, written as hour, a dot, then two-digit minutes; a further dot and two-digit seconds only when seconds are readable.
7.27
